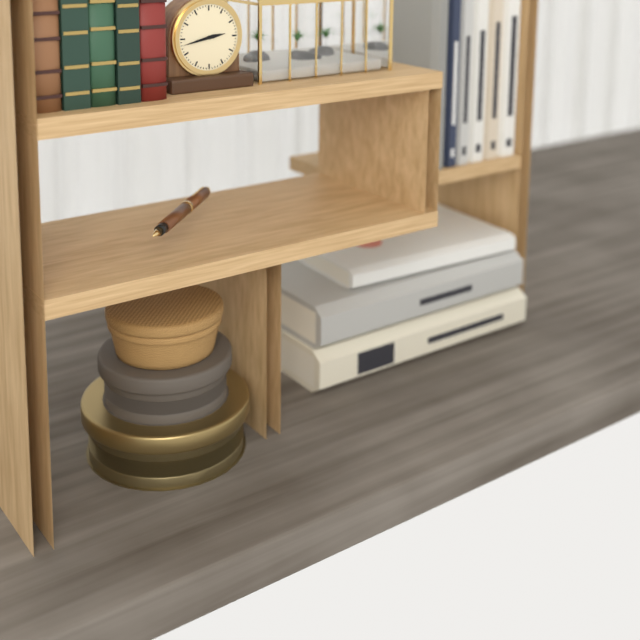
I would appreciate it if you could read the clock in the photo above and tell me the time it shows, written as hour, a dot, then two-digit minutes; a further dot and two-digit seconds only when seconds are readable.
2.43
